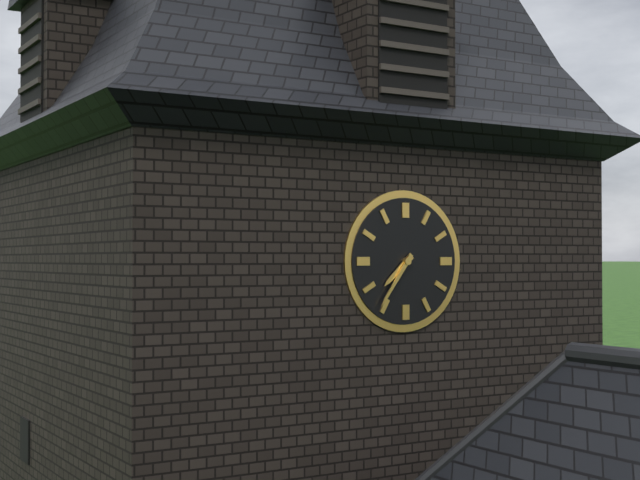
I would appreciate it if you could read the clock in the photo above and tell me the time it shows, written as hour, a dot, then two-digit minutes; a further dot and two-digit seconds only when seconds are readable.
7.36
